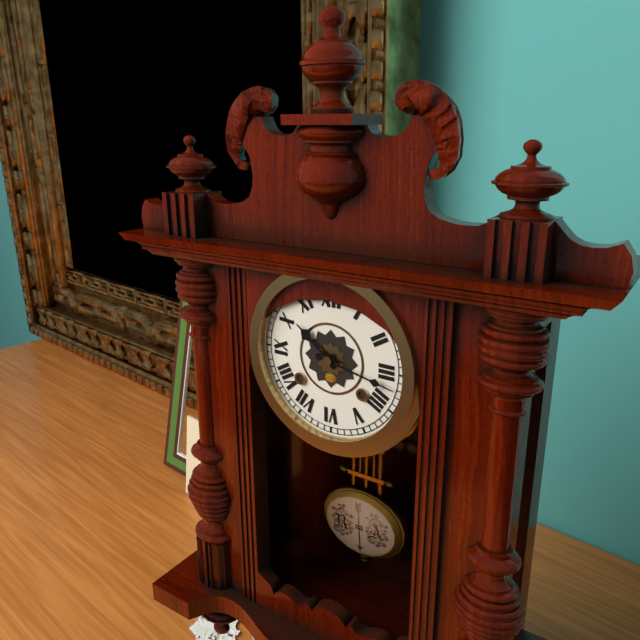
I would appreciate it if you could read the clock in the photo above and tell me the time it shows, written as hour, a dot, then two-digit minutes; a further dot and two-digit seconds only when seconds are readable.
10.17
